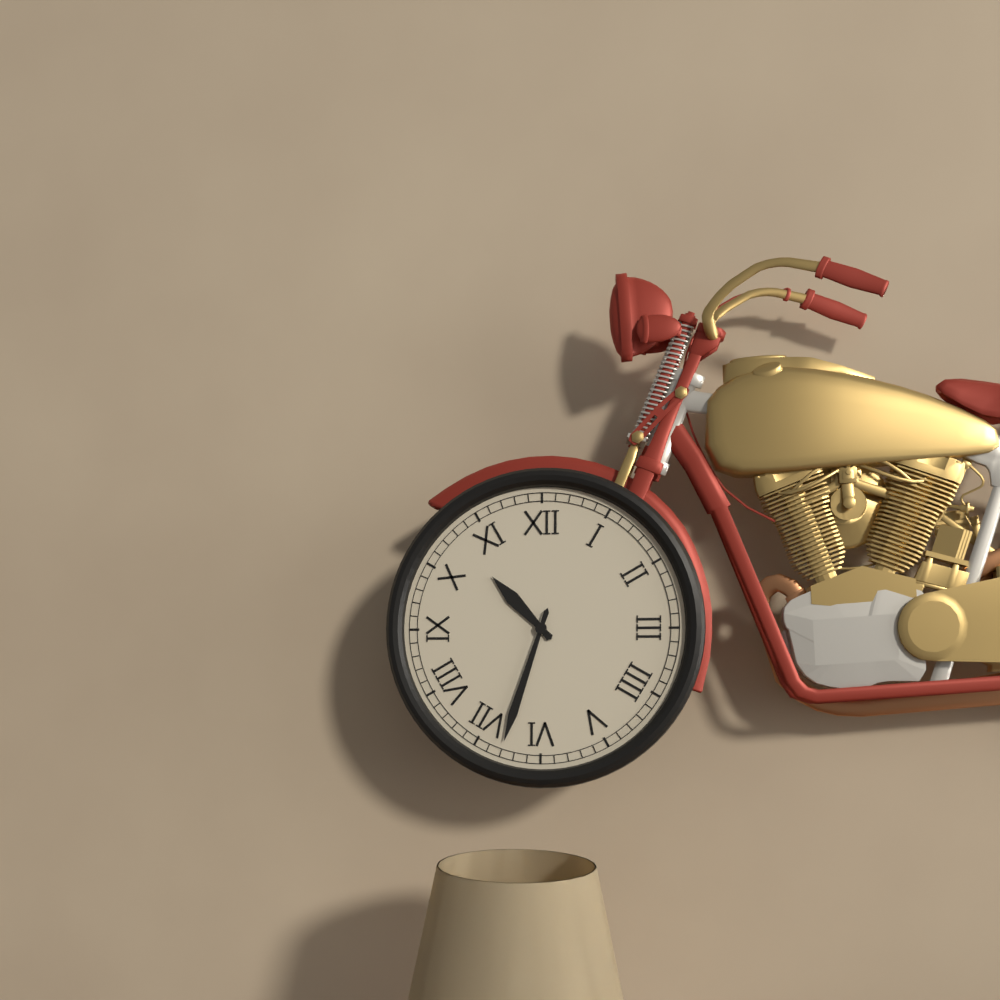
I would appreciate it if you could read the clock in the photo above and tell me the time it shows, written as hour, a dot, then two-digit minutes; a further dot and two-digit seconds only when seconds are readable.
10.33
